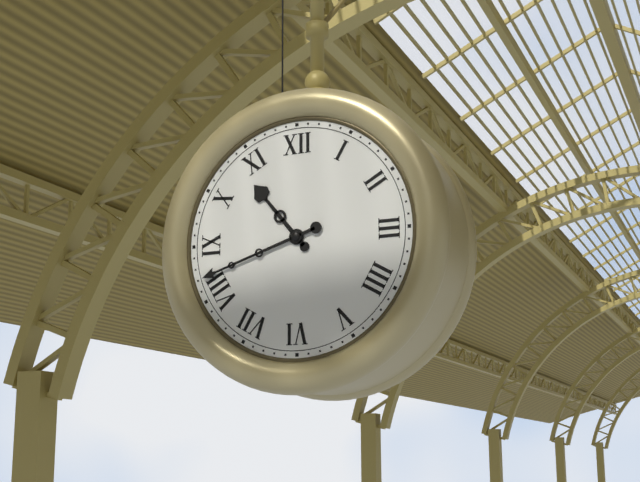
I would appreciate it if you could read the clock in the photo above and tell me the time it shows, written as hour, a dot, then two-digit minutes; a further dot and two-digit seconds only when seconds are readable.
10.42
